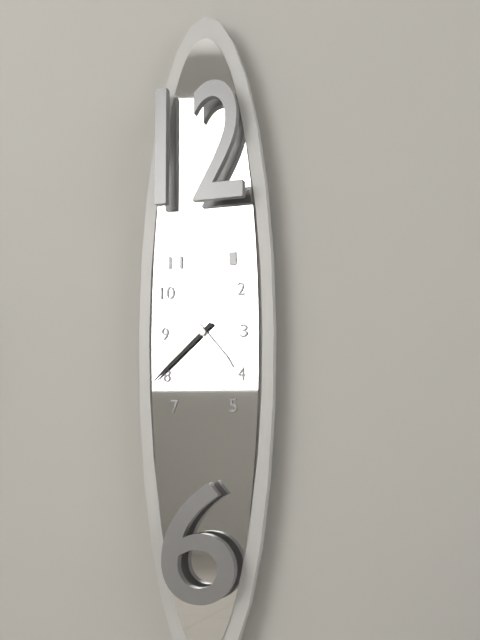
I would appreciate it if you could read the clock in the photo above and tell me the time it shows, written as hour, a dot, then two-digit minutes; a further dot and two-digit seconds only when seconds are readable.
4.38
